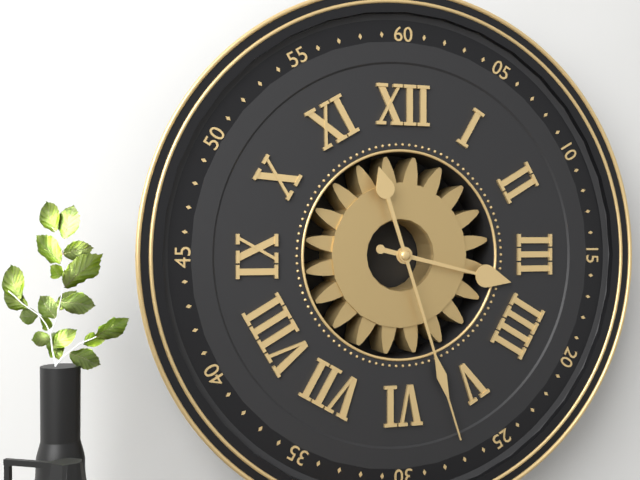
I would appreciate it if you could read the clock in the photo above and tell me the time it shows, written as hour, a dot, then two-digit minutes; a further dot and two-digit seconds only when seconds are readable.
3.27
